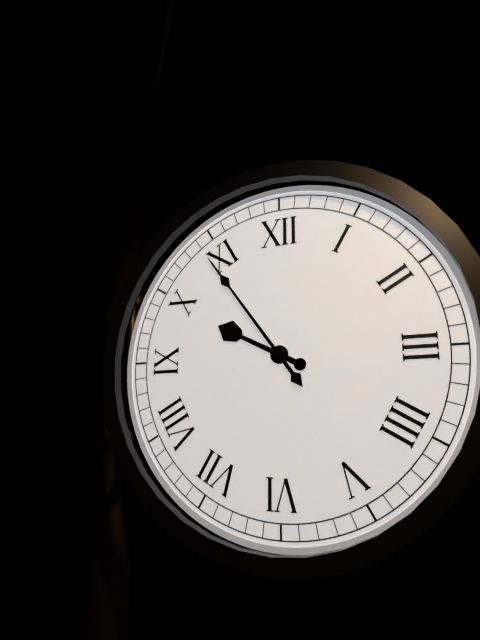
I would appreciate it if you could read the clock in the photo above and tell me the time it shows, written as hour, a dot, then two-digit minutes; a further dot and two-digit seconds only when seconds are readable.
9.54
